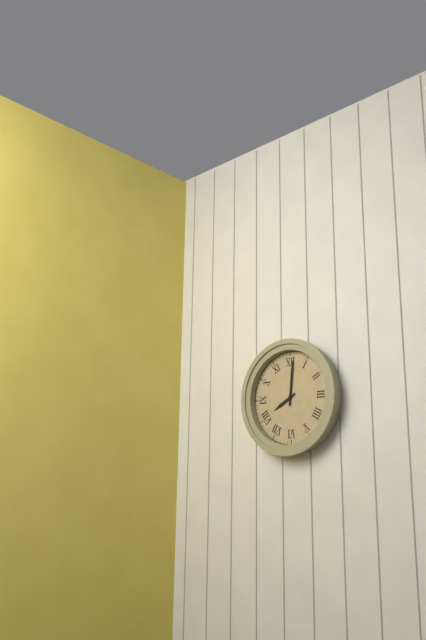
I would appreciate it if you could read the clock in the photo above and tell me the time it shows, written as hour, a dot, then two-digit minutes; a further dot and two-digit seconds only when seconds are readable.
8.01
